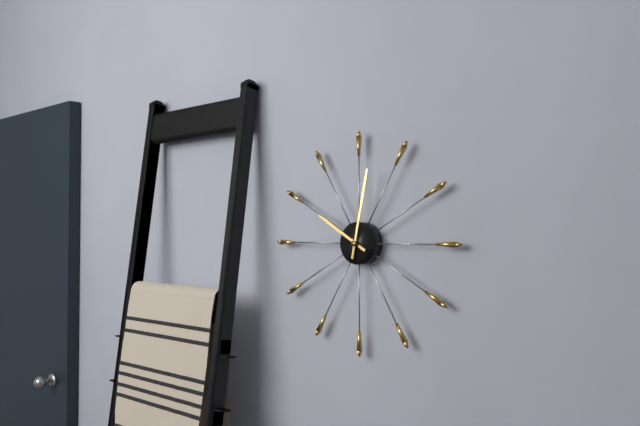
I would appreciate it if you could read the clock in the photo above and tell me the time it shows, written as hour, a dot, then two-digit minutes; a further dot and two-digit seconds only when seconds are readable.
10.02
